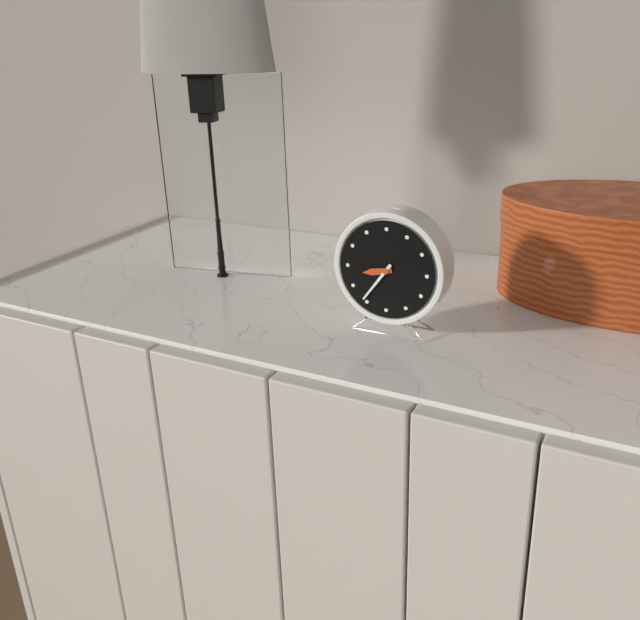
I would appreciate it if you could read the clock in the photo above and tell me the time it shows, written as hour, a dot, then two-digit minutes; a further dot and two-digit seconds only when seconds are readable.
8.36
